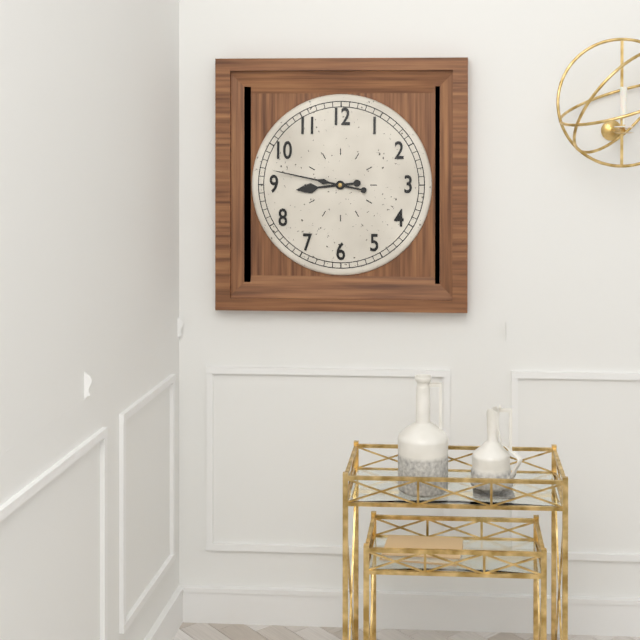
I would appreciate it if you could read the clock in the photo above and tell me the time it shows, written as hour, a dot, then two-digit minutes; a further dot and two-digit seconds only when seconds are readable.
8.47
